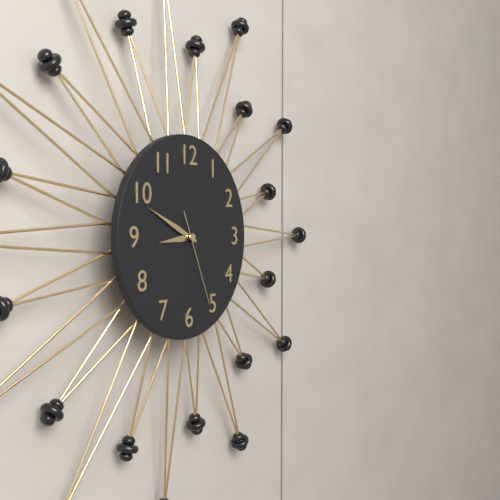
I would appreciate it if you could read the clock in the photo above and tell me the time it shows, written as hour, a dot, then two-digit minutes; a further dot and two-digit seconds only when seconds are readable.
8.49.26
